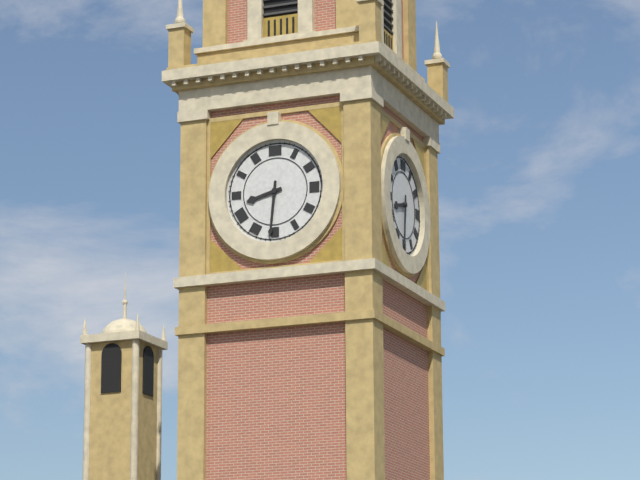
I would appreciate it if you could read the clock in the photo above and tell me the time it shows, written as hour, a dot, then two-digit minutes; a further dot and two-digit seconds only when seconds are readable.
8.31
